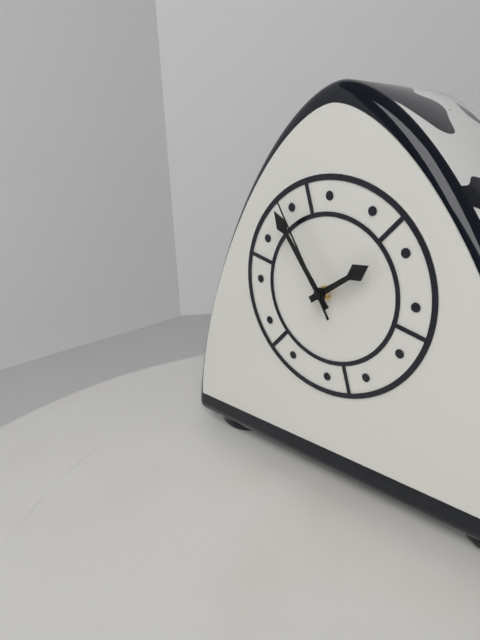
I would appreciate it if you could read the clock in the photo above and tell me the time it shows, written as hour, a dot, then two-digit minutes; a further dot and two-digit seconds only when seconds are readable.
1.54.55
